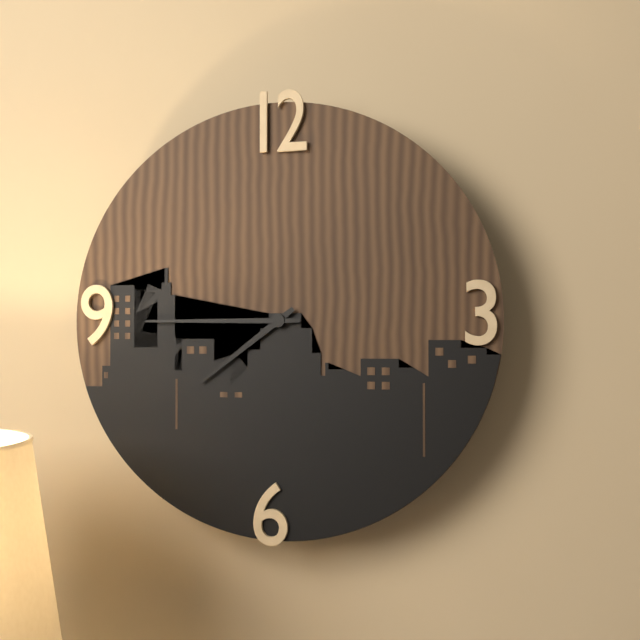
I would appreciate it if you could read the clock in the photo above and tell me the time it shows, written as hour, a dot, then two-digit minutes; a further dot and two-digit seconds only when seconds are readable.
7.45
